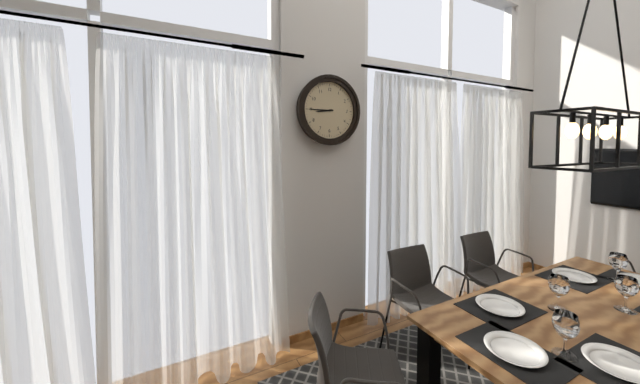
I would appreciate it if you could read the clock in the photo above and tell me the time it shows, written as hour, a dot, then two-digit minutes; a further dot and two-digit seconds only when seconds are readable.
8.45
